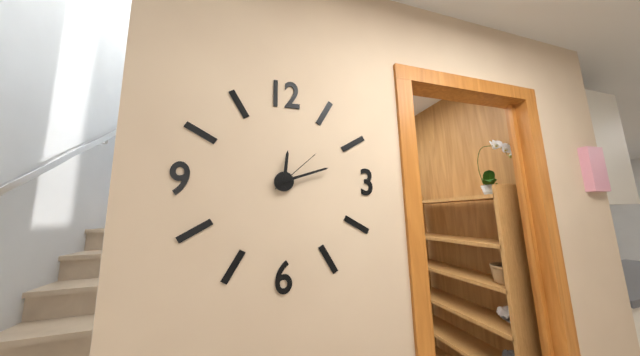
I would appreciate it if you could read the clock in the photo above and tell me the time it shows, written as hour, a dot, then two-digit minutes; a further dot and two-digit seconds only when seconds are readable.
12.12.08
